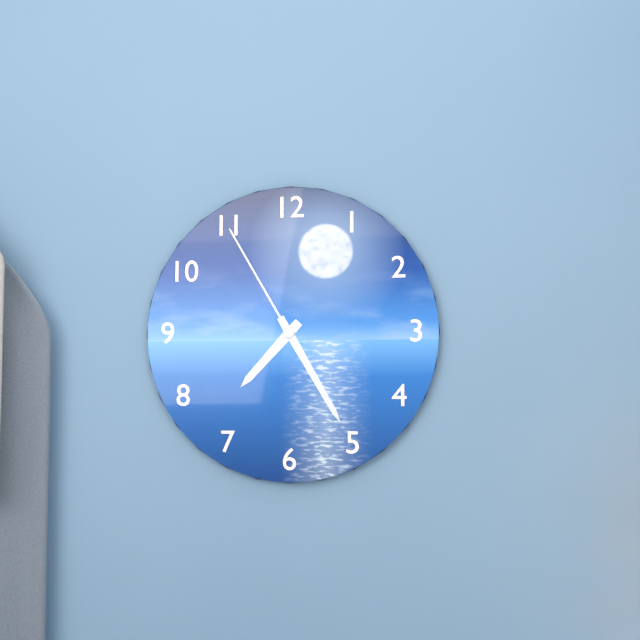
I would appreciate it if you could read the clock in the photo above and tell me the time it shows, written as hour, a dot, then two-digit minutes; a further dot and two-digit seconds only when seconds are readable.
7.25.55
